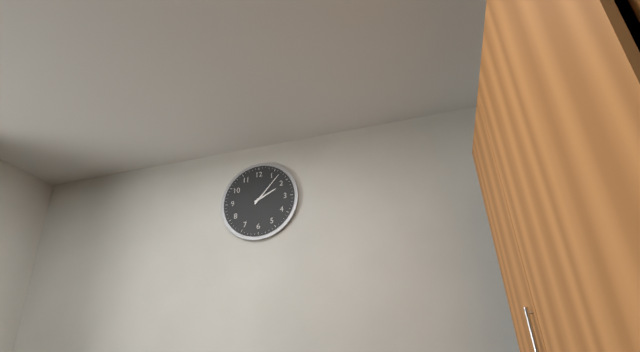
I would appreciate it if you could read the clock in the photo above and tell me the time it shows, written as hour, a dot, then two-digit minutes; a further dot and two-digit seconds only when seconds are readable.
2.07
